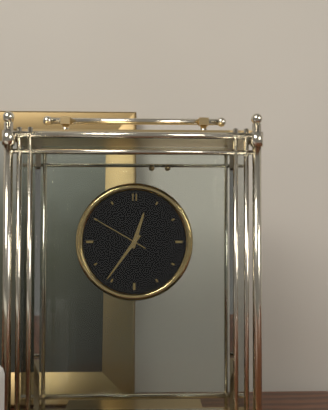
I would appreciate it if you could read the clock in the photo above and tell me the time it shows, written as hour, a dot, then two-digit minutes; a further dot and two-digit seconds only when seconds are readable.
12.36.50
